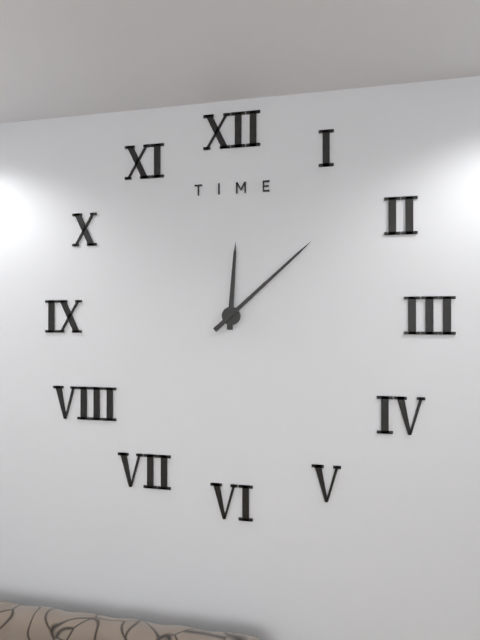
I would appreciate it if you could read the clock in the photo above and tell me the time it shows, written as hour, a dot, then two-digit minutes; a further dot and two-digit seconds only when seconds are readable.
12.08
